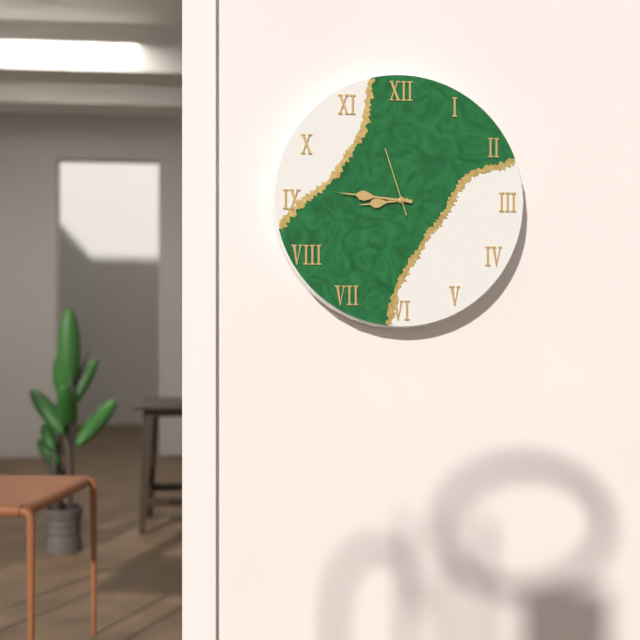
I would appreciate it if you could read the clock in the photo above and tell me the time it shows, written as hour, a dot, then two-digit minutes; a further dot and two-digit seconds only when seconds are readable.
8.46.57
